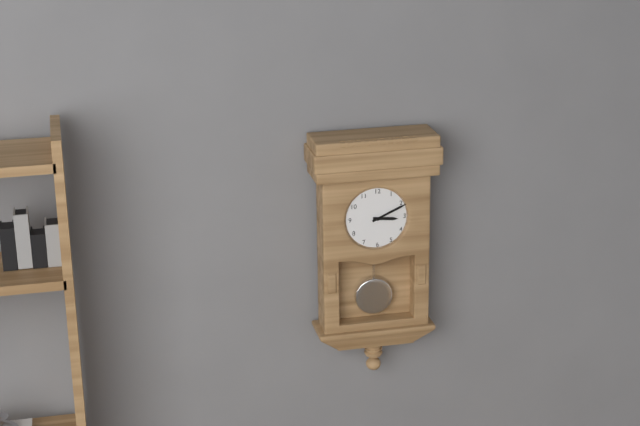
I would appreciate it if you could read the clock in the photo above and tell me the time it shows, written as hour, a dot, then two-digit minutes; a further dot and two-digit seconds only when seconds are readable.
3.11
